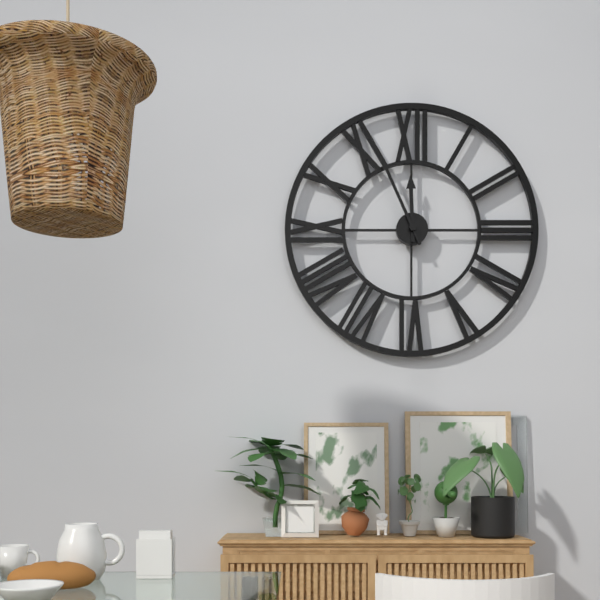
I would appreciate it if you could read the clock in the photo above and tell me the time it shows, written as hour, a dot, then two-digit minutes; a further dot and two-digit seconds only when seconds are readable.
11.56
